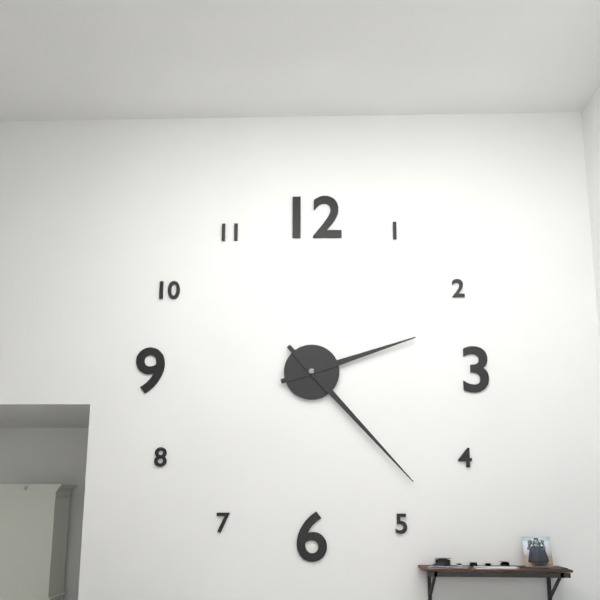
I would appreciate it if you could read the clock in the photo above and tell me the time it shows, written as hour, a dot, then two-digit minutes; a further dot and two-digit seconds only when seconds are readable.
2.23
